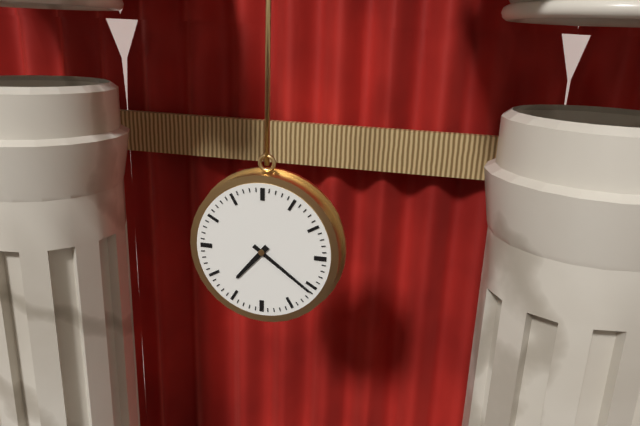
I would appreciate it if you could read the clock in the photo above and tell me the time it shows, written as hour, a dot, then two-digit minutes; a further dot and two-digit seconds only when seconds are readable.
7.21
